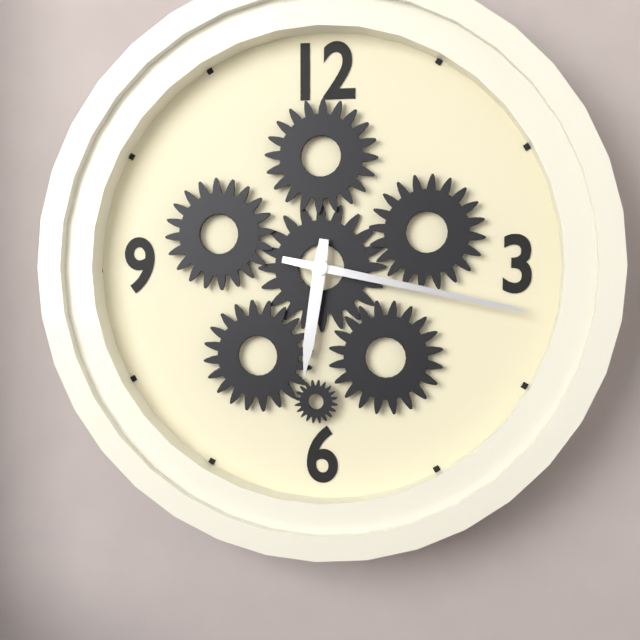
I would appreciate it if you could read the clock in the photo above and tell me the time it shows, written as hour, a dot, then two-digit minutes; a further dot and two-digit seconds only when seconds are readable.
6.17
